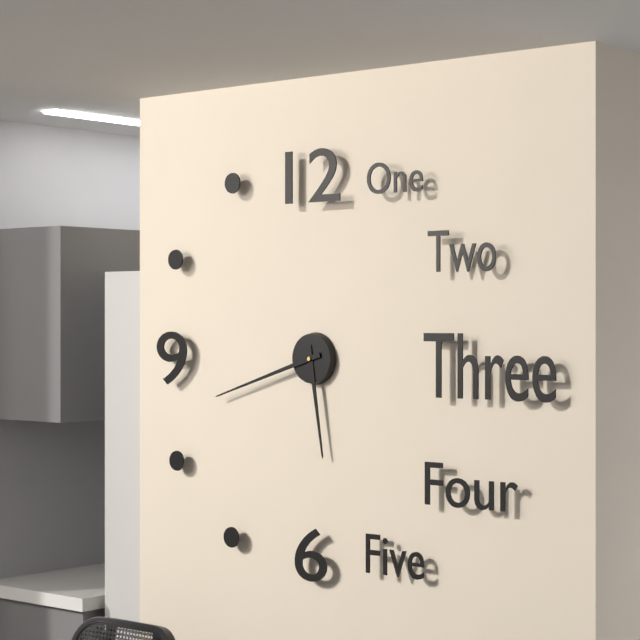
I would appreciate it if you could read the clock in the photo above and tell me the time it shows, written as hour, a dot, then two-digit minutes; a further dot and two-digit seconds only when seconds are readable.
5.42
